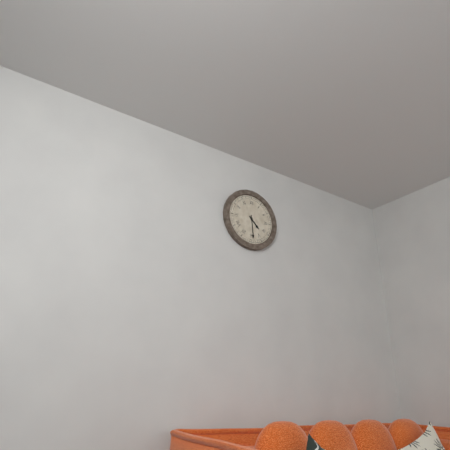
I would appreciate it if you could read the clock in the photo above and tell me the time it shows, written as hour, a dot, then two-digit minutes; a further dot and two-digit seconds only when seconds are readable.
4.29
